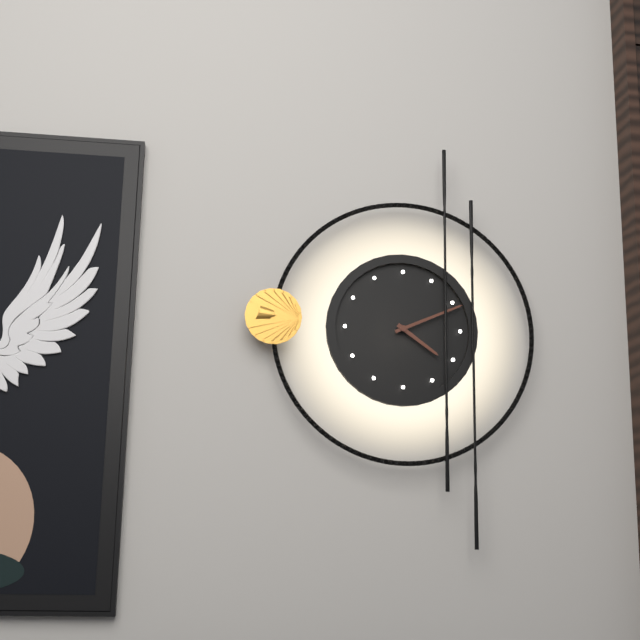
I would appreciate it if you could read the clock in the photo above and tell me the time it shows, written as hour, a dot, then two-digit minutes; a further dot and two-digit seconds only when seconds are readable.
4.11
